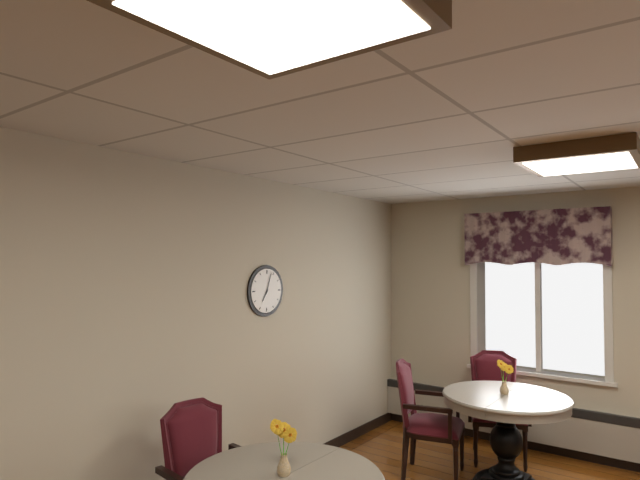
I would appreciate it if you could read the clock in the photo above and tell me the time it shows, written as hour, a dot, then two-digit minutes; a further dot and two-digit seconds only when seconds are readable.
7.03
